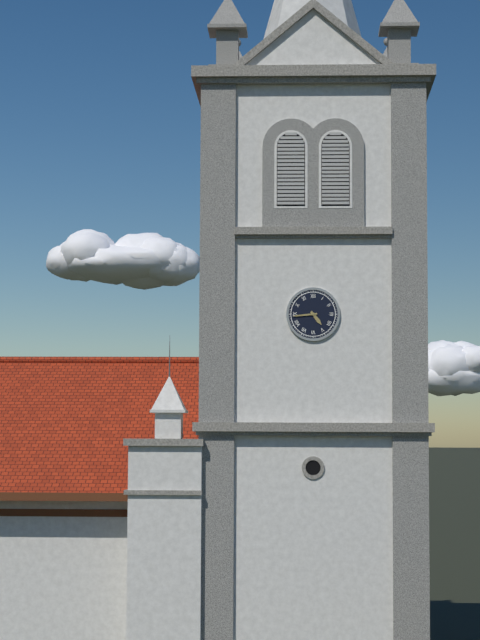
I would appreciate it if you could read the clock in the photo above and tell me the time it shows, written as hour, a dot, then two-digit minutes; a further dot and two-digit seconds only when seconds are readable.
4.44
